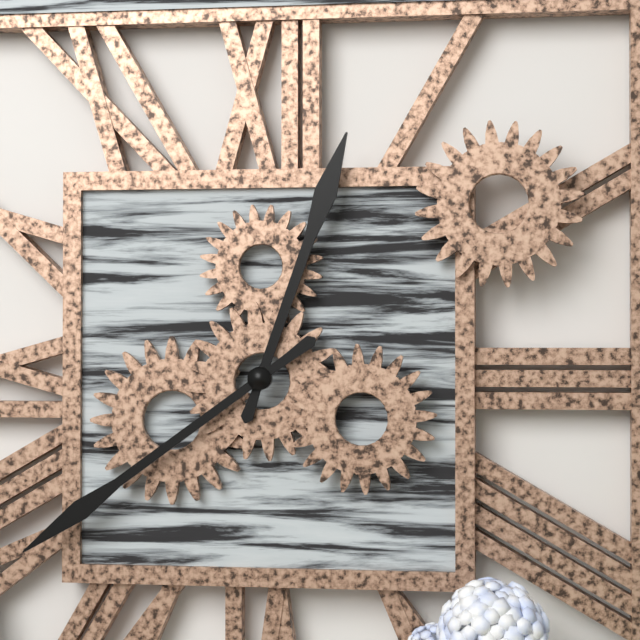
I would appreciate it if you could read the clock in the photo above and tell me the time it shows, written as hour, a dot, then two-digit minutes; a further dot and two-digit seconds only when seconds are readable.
12.39
